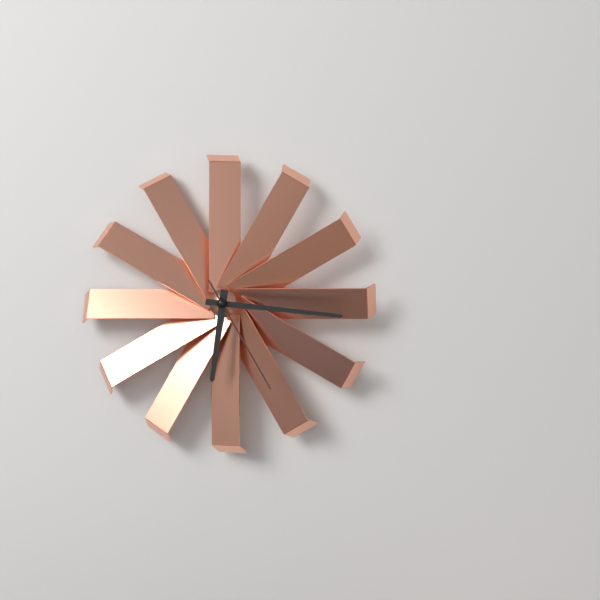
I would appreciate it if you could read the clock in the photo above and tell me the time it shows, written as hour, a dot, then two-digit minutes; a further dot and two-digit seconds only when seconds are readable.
6.16.25
